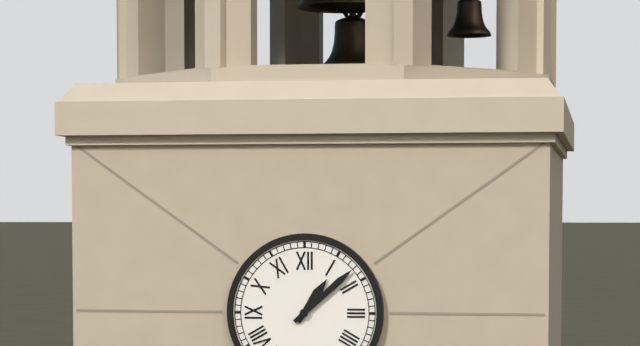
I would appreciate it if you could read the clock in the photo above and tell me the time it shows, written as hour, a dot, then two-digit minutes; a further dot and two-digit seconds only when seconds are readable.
1.08
